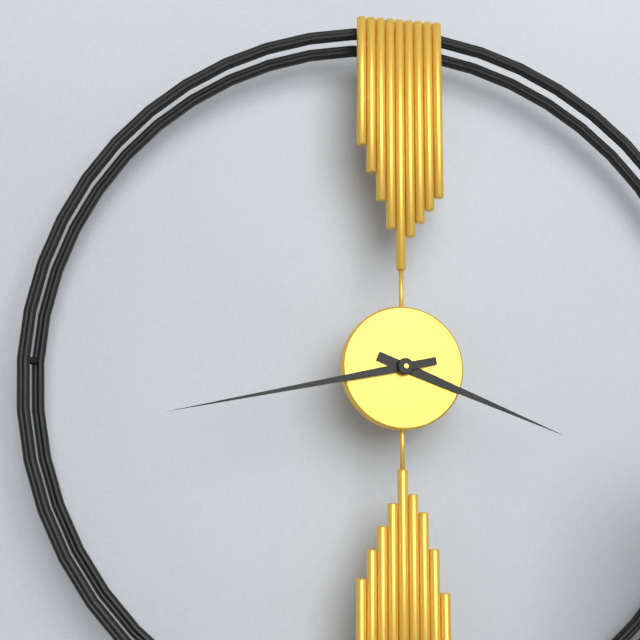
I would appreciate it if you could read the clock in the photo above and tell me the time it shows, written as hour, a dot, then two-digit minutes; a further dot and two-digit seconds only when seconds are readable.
3.43
